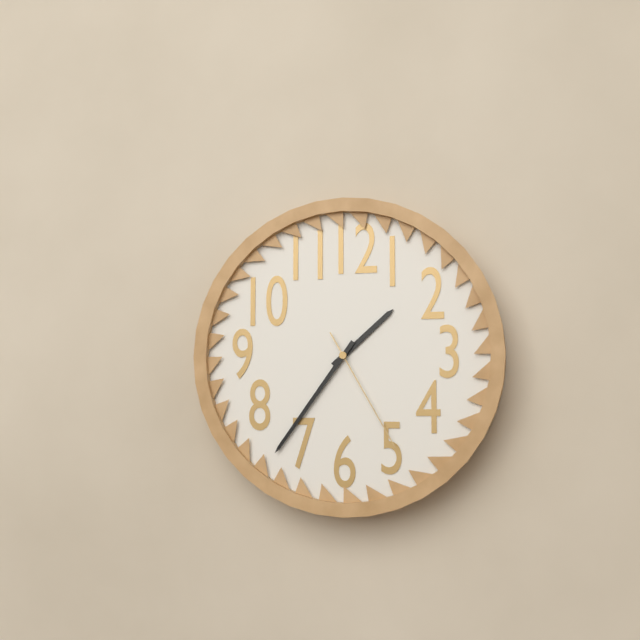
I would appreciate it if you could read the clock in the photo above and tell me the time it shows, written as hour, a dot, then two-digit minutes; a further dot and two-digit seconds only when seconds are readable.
1.36.25
